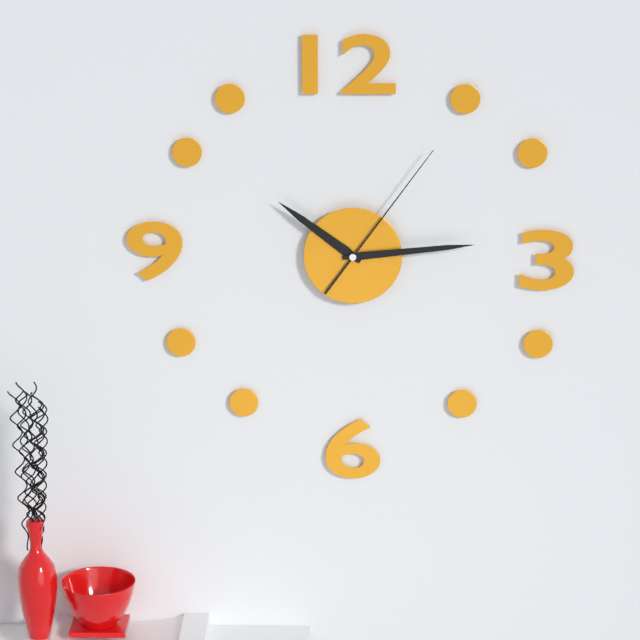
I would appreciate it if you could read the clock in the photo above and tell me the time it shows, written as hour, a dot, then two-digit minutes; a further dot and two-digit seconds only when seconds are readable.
10.14.06
